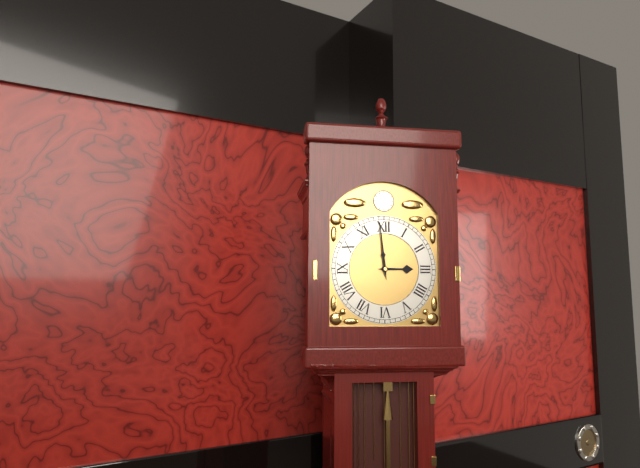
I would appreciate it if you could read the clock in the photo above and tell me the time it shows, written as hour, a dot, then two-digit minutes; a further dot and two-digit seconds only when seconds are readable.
2.59
